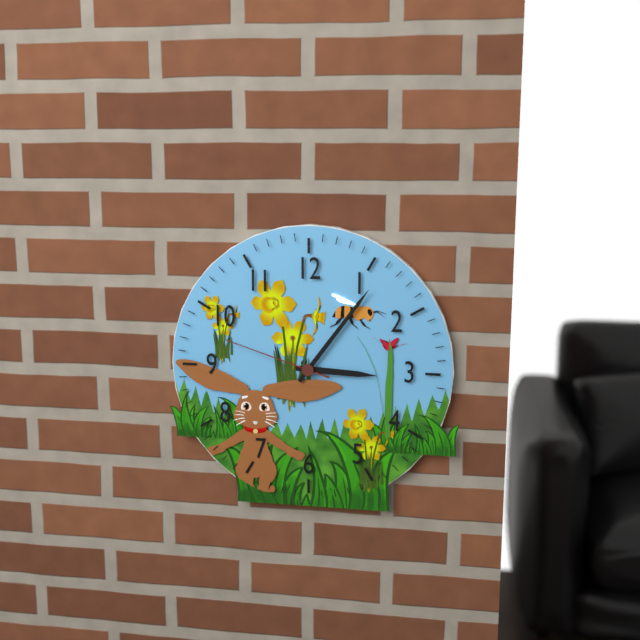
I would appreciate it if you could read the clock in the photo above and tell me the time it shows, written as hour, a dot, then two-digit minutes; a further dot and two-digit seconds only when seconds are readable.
3.06.48
